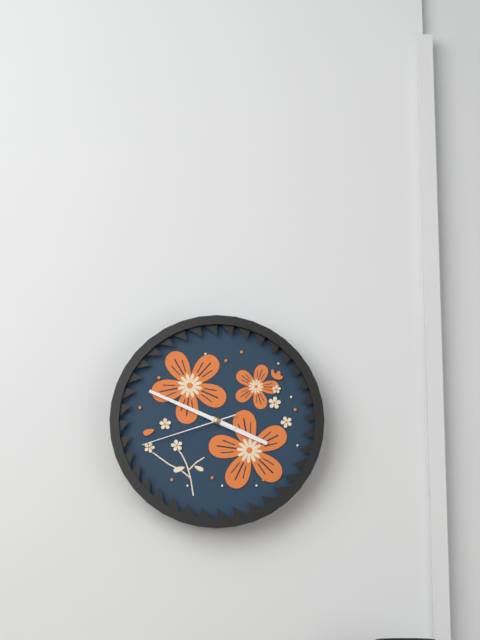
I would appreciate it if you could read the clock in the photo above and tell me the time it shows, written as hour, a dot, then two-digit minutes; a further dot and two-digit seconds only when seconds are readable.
3.49.42
